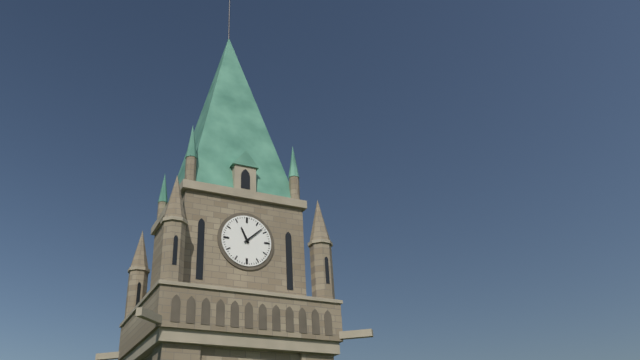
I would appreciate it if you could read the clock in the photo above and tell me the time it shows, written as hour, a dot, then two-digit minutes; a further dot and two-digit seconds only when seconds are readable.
11.08
